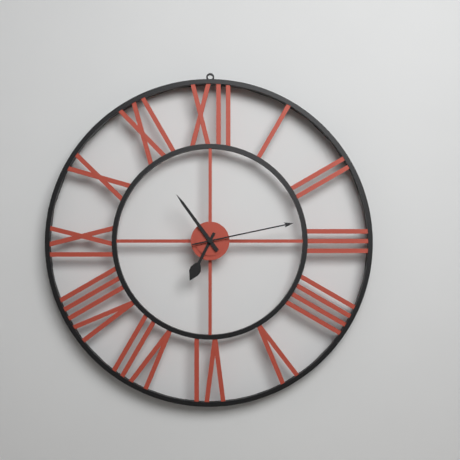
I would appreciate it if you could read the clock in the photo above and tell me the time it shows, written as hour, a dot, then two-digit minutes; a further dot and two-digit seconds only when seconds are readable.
6.54.13
